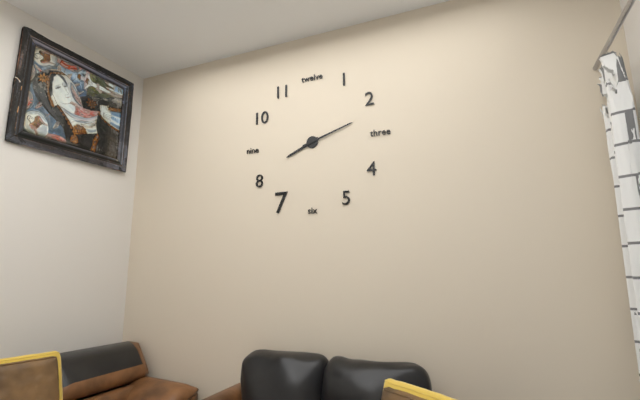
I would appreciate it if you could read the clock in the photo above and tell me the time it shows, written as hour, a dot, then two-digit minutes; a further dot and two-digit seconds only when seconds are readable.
8.12
